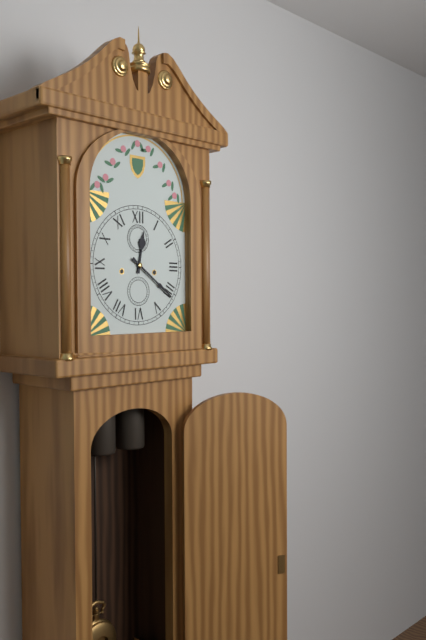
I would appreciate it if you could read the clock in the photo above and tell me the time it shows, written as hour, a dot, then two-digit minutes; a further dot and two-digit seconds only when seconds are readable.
12.21
